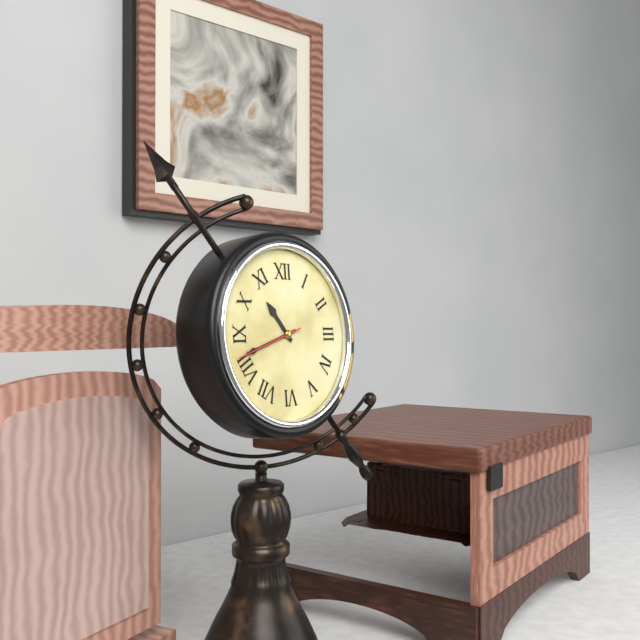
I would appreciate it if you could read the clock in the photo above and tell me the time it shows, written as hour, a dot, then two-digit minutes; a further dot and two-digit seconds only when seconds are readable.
10.42.42
